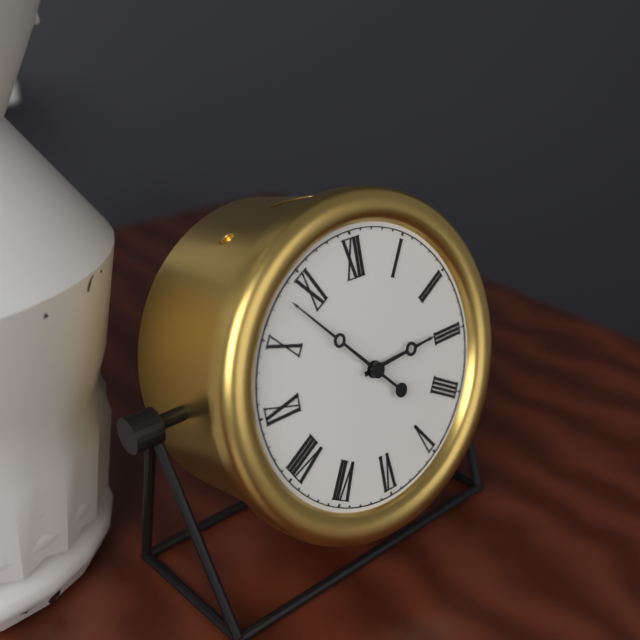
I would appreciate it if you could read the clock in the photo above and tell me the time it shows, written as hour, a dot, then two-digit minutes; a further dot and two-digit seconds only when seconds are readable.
2.53
